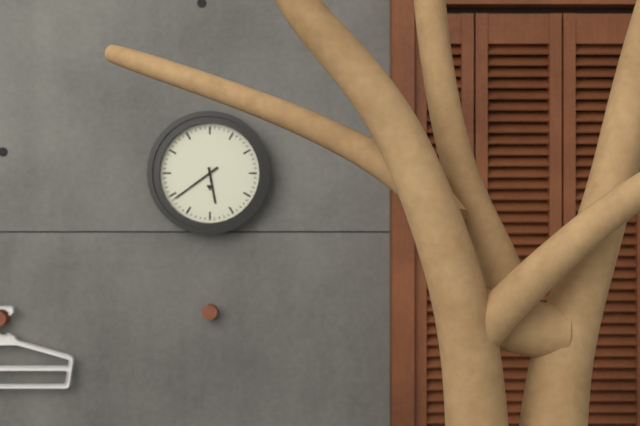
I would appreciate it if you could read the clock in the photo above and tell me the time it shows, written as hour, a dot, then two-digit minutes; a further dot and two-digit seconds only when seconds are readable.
5.39
